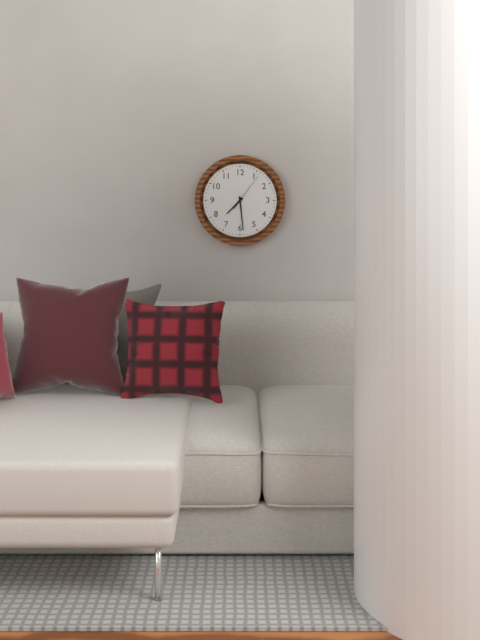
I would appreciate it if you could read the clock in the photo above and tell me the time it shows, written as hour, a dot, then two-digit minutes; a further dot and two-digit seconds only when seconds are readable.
7.29
